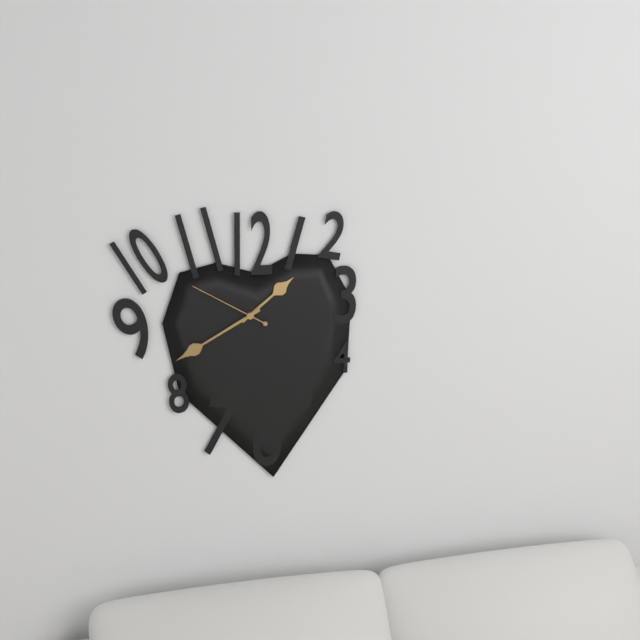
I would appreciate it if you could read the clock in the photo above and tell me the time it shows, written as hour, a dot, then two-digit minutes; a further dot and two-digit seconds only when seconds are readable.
1.40.50
